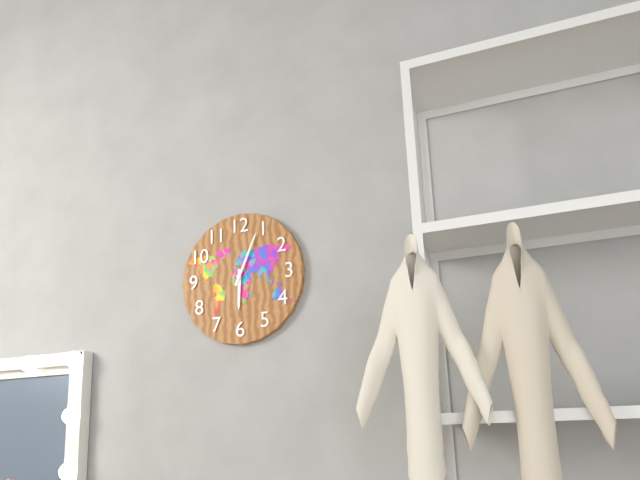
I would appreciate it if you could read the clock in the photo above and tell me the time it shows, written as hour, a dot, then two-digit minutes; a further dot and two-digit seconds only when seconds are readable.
6.04
